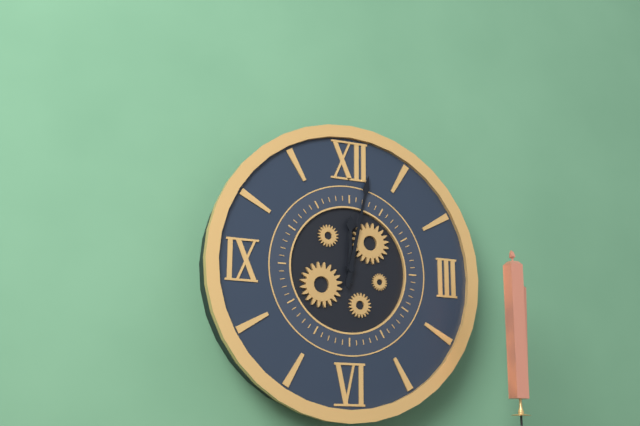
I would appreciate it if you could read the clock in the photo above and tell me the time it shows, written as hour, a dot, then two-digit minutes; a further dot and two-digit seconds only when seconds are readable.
12.02
